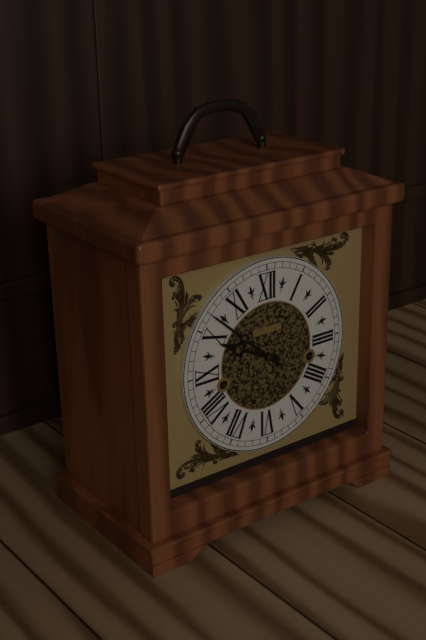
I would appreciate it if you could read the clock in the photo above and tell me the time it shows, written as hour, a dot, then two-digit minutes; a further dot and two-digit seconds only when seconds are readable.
9.52
